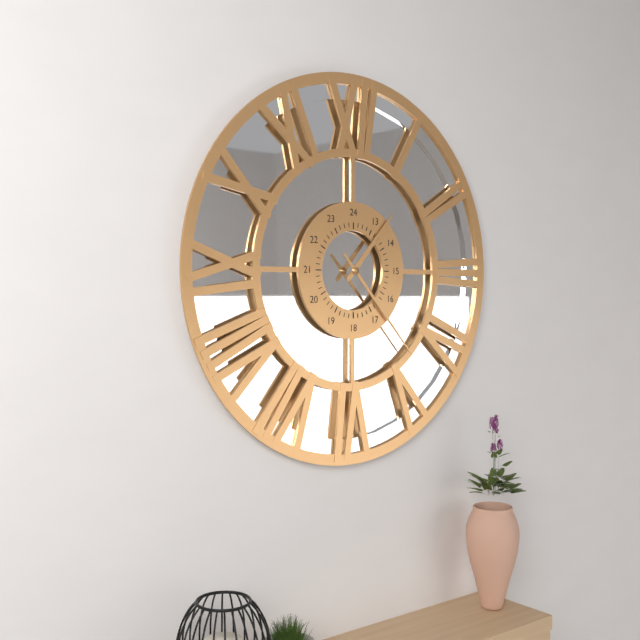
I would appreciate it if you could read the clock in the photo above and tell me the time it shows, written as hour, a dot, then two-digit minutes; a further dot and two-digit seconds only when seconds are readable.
1.23
